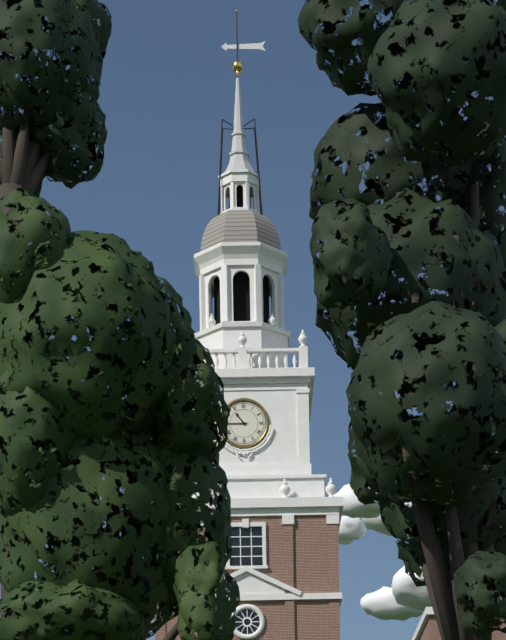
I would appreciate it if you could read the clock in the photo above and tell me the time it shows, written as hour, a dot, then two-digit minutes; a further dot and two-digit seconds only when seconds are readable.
10.45
